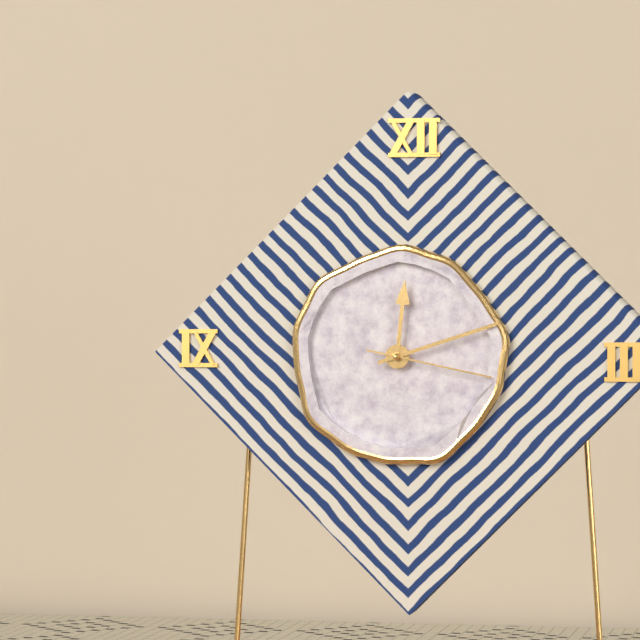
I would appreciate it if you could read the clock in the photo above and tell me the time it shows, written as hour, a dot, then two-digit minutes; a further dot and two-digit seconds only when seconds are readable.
12.12.17
